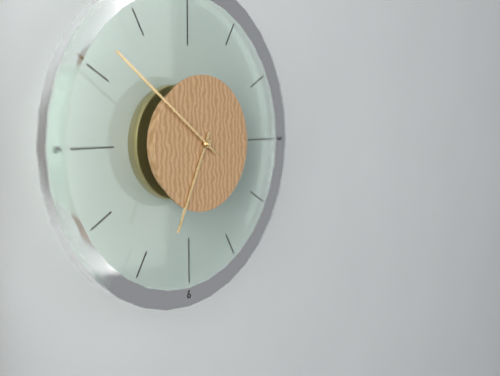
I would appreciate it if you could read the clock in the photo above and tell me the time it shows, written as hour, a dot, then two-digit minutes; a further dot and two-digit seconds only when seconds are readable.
6.51
